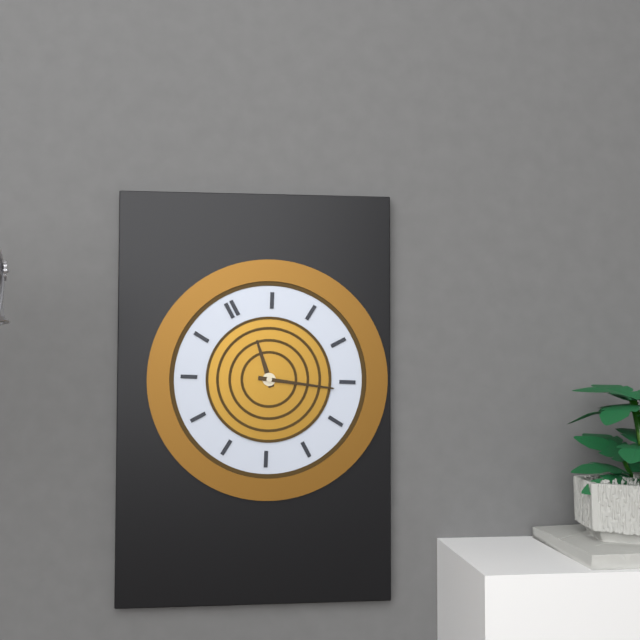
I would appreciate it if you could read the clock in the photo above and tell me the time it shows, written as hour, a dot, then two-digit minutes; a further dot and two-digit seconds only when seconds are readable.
12.21
